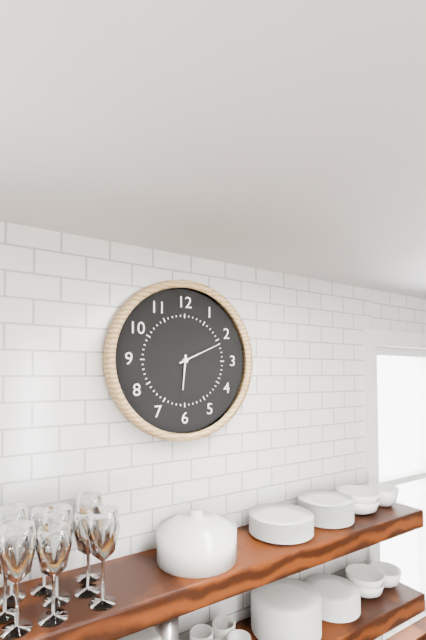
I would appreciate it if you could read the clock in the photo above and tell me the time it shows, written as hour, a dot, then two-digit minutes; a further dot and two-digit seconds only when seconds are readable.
6.11
